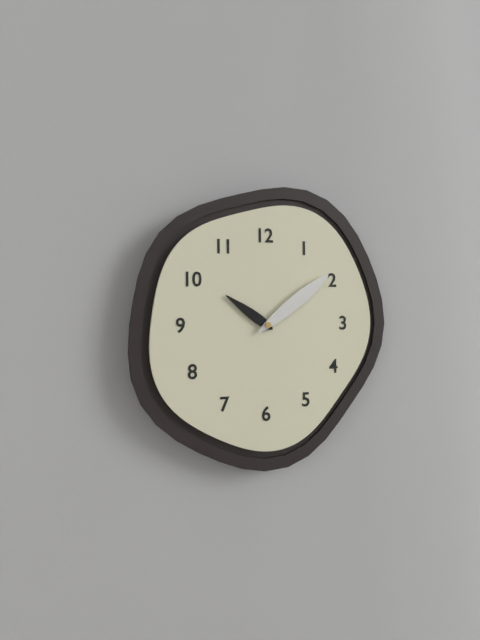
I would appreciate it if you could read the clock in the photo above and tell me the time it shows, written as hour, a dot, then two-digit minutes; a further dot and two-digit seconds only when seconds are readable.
10.09
